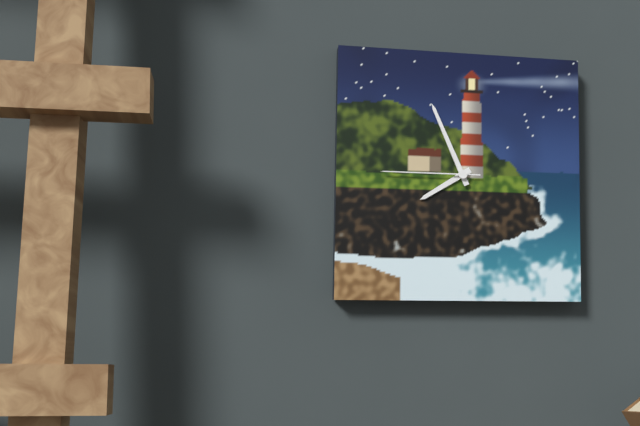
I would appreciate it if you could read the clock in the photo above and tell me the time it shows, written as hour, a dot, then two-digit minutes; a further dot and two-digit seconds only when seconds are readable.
7.56.45
